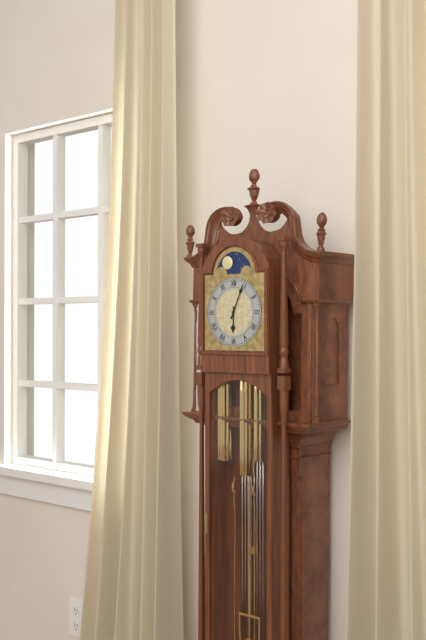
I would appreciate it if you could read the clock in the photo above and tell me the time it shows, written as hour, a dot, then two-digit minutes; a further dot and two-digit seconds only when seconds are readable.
6.04
